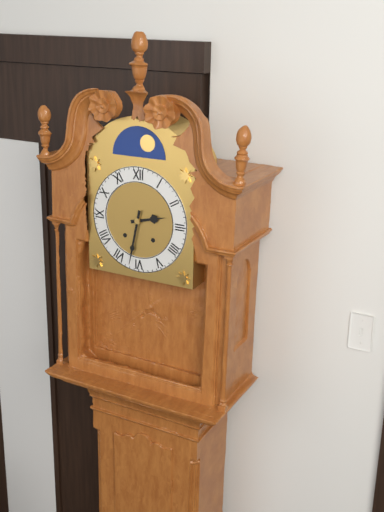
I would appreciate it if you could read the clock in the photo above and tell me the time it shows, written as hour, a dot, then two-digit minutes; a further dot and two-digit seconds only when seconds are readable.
2.32
